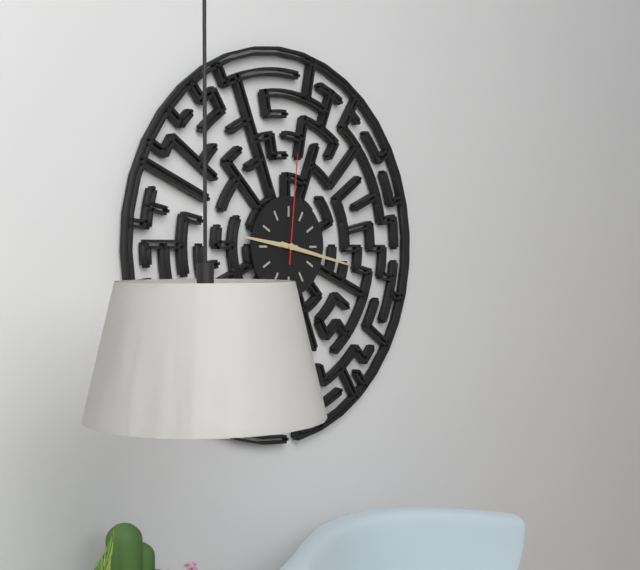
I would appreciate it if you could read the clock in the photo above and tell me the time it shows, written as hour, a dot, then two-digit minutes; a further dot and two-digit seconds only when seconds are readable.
9.17.01
